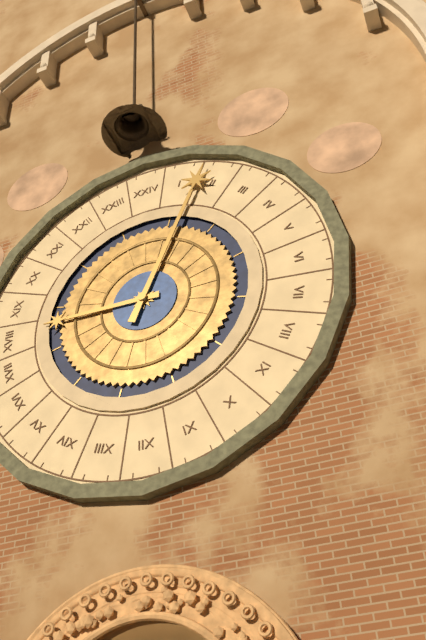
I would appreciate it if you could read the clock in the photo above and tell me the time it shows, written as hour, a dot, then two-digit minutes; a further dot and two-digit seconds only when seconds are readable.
9.04
